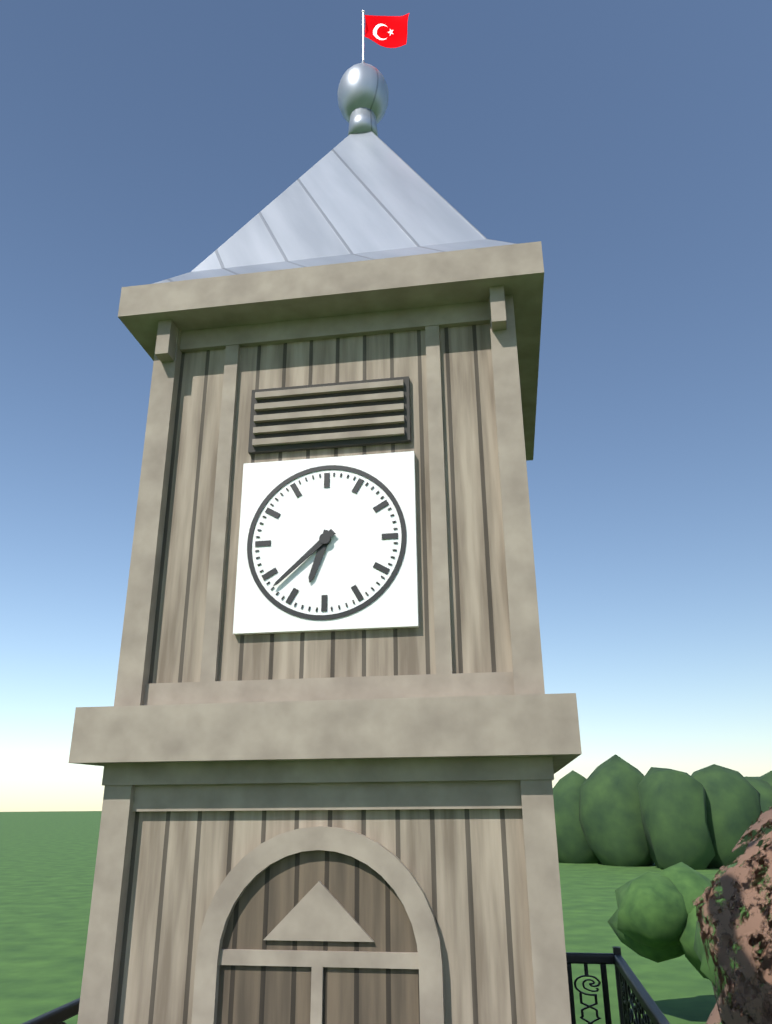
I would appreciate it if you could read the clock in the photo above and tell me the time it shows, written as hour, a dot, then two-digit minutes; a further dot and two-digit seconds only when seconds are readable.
6.38
